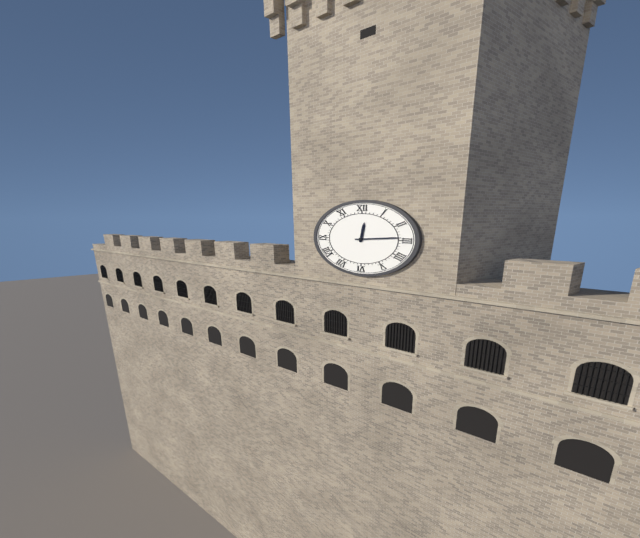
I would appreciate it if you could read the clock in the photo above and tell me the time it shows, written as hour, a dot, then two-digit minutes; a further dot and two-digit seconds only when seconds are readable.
12.14
